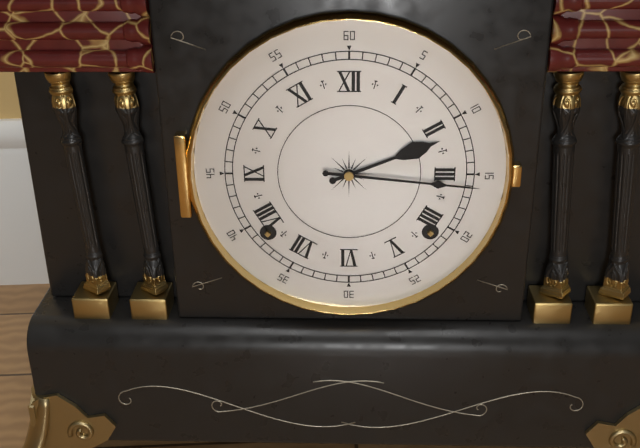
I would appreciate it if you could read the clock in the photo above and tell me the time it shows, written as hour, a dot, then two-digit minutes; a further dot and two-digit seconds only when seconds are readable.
2.16
